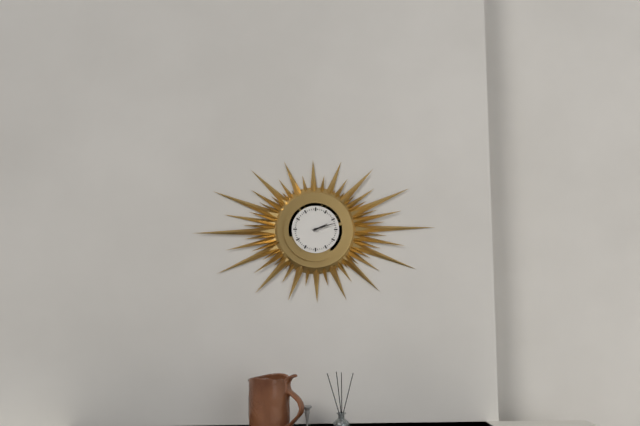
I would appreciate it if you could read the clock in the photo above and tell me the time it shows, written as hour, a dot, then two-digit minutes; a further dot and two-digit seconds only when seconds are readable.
2.12
